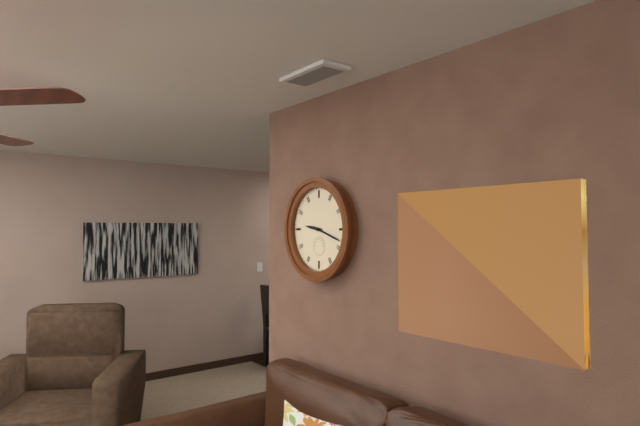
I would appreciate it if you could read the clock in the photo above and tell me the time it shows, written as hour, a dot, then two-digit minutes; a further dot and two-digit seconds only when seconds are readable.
9.18
